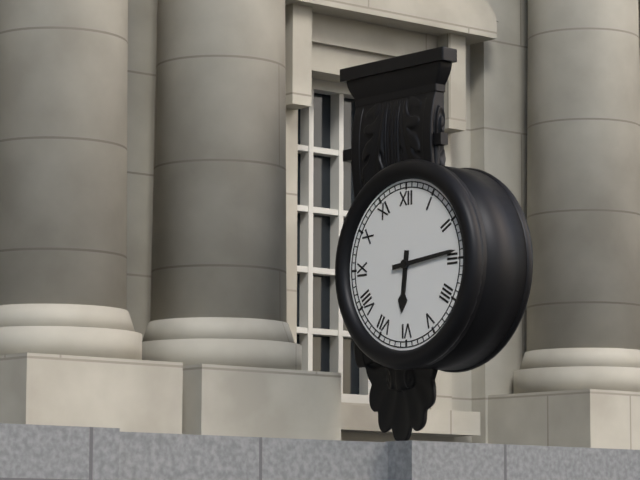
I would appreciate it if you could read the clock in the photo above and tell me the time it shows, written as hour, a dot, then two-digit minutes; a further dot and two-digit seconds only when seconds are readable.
6.14
